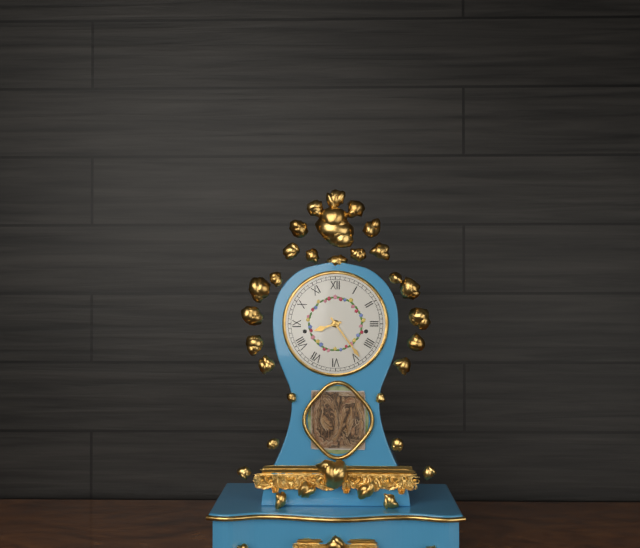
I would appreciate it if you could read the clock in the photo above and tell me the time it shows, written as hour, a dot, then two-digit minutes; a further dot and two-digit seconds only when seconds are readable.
8.24
